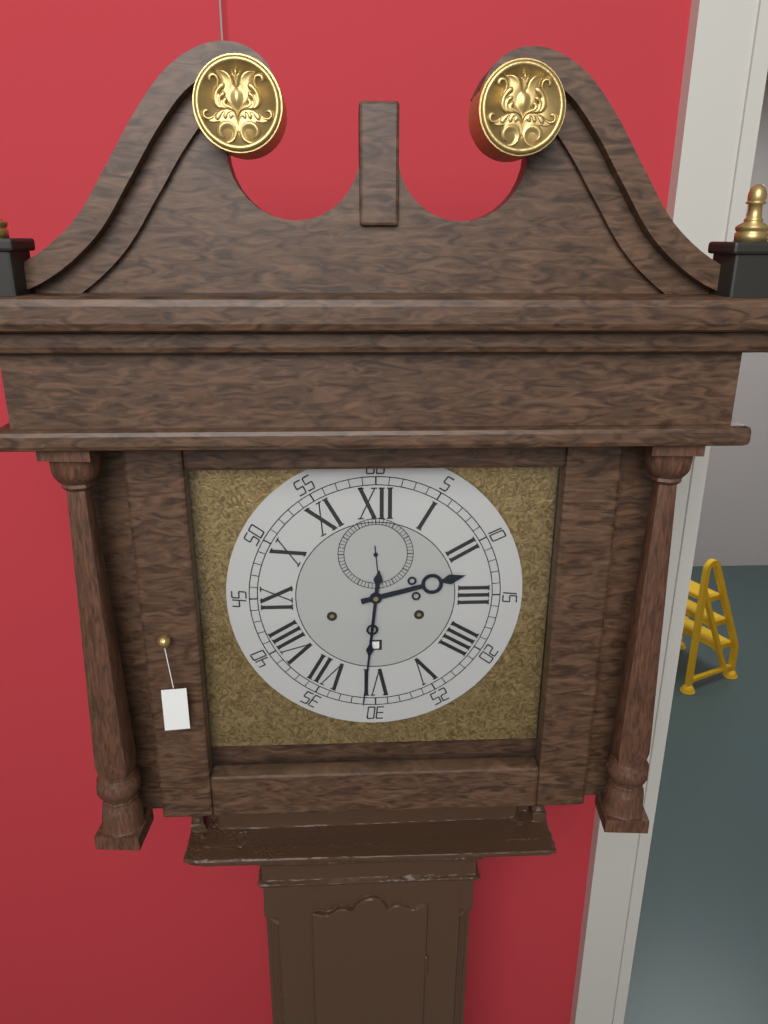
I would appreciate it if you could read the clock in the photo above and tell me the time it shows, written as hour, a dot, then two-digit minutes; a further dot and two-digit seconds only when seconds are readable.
2.31
